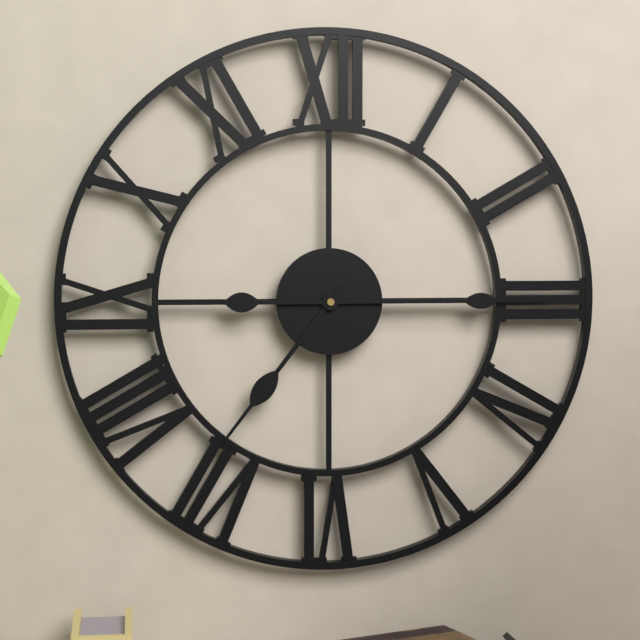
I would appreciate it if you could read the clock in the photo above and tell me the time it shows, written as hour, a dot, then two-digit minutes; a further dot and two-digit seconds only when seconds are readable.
7.15
